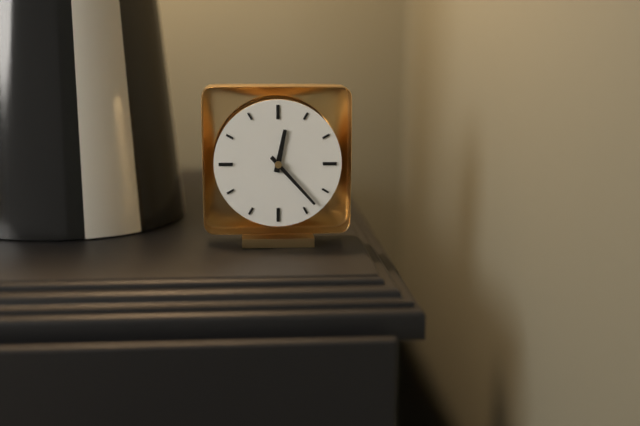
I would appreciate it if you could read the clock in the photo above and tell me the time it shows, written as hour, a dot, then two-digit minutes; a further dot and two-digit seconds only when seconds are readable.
12.23
